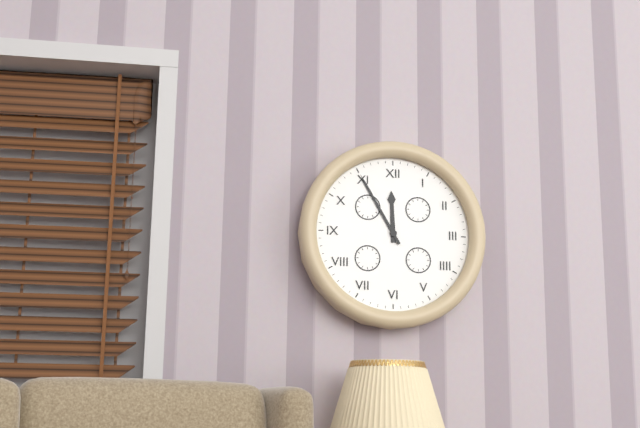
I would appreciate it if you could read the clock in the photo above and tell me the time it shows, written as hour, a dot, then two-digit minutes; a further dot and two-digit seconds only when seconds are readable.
11.55
